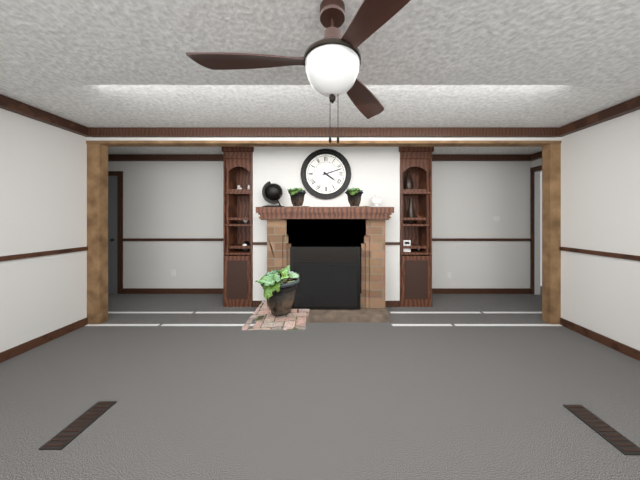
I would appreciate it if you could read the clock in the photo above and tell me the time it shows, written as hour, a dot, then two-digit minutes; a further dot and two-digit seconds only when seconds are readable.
4.12
